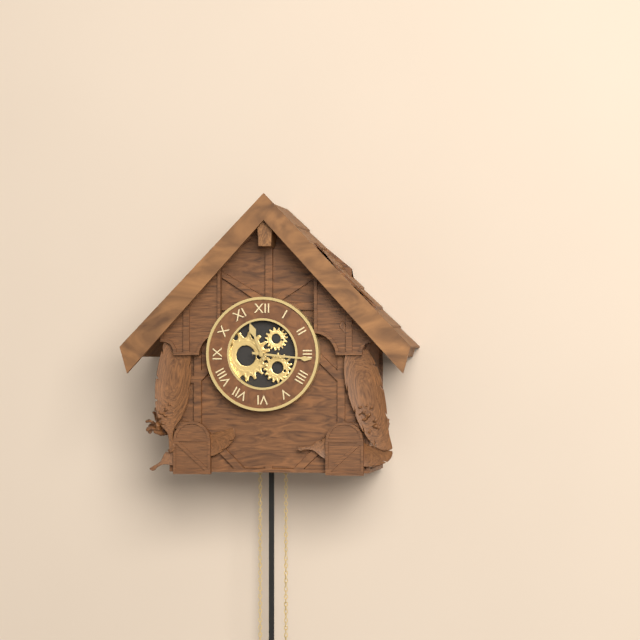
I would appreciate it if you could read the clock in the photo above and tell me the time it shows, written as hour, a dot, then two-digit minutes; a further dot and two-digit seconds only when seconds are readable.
11.16
